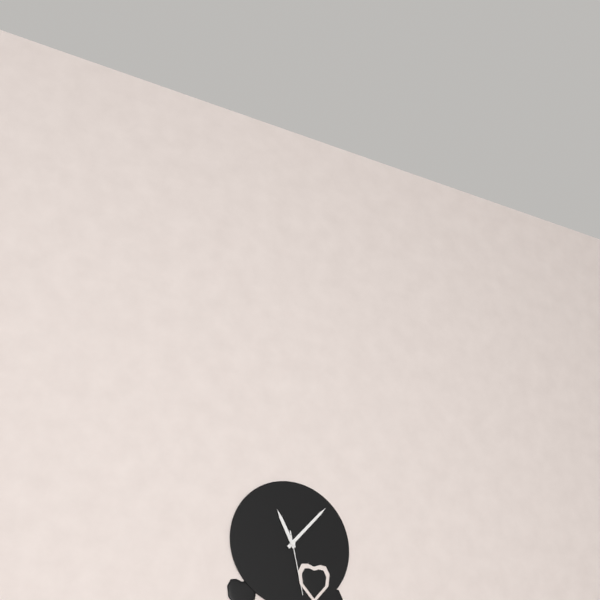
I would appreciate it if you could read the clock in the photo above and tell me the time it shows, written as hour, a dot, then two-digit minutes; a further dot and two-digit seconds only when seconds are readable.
11.07.28
